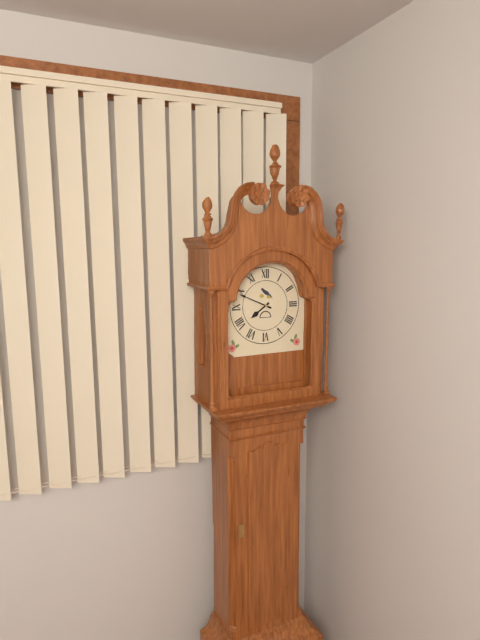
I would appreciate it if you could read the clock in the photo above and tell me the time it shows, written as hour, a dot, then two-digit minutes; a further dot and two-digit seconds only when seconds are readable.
7.49
